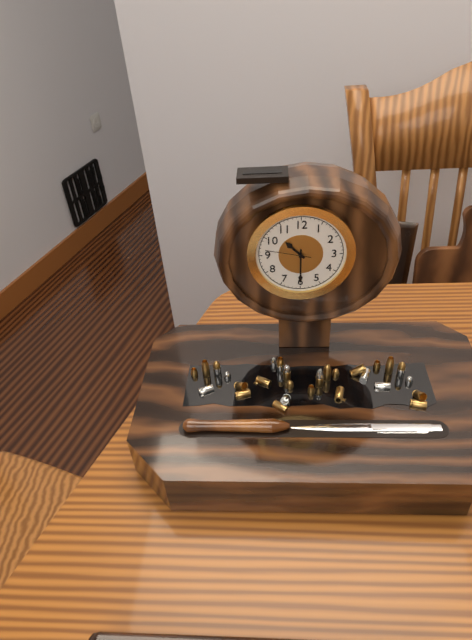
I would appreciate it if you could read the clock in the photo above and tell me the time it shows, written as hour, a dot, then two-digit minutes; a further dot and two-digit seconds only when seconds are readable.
10.30
